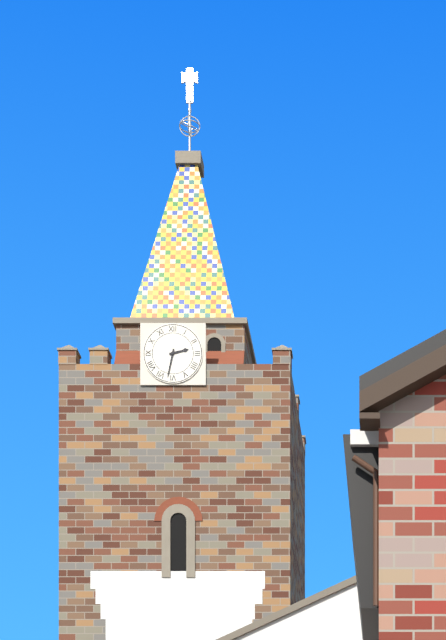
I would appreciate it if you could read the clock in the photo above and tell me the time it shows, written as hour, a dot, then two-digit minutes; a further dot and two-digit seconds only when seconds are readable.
2.32
